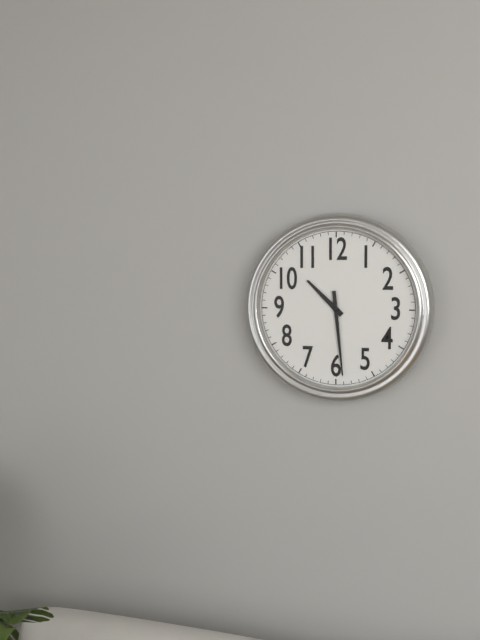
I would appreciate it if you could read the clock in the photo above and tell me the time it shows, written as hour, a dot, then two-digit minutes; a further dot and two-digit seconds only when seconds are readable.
10.29
